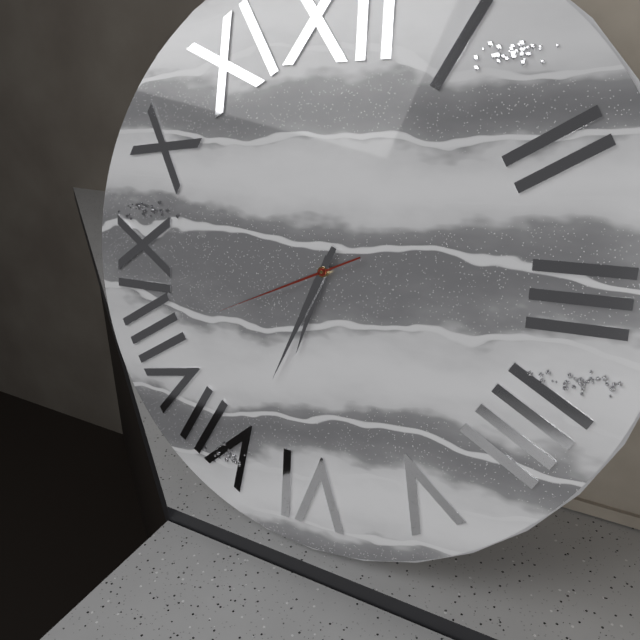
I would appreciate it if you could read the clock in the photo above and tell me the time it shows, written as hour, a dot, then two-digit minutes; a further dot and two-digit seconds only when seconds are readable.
6.34.41
